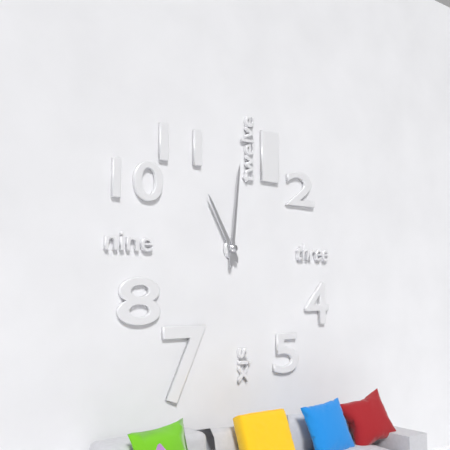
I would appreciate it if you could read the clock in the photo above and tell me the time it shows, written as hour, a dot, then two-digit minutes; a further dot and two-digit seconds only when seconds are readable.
11.01
